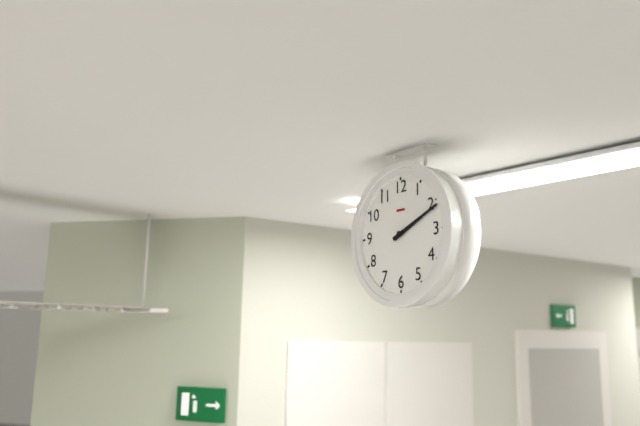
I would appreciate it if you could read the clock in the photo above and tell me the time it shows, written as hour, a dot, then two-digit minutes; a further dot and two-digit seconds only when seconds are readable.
2.11
